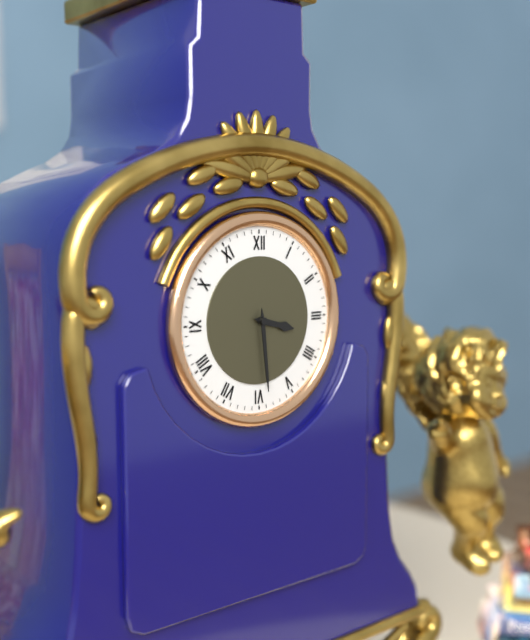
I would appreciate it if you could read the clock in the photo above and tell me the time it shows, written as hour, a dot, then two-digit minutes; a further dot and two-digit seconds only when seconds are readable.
3.29
